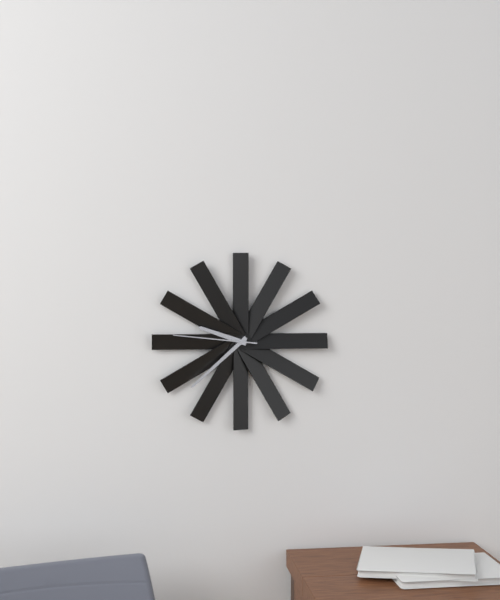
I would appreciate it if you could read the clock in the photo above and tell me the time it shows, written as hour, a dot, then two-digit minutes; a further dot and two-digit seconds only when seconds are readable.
9.38.46
